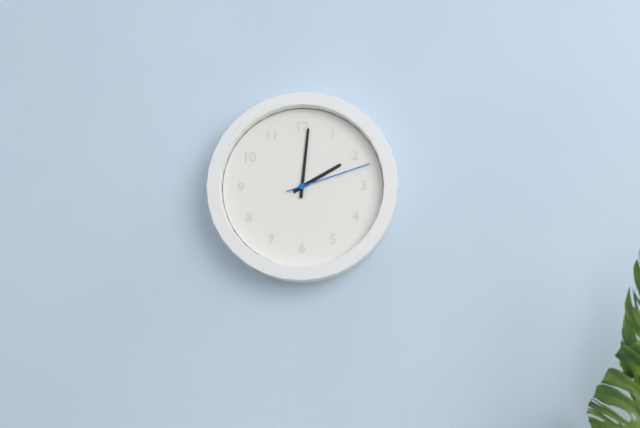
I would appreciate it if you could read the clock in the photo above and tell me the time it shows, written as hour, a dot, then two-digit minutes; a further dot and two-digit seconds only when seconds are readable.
2.01.12
